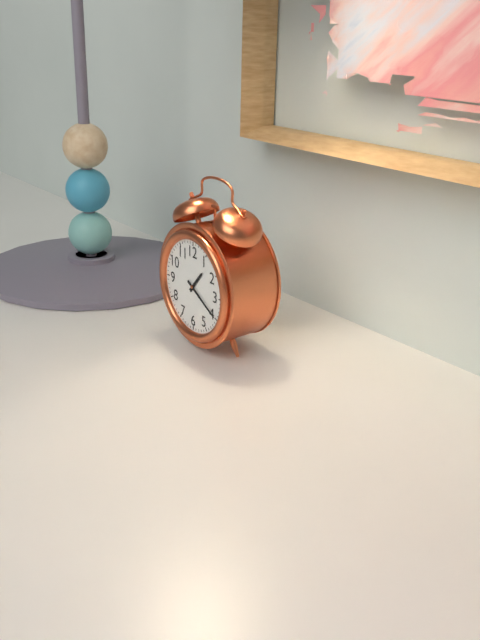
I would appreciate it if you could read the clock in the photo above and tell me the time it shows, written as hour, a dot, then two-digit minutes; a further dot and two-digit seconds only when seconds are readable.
1.20
